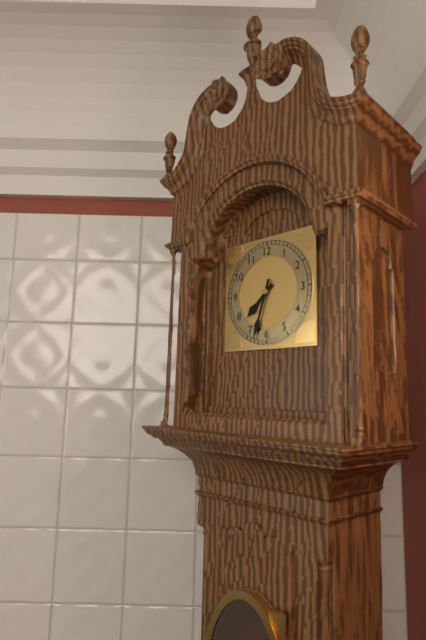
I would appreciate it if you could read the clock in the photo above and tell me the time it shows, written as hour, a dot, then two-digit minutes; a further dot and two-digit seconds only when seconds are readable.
7.33
